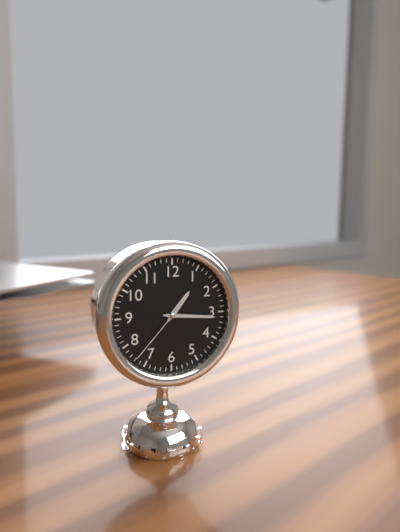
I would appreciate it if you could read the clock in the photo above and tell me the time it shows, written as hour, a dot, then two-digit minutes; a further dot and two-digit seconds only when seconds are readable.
1.16.37
